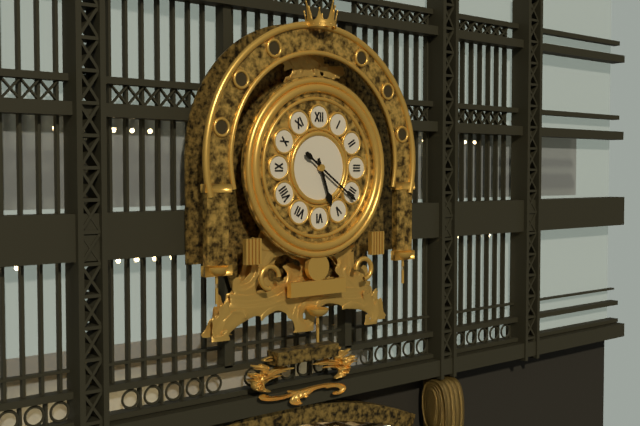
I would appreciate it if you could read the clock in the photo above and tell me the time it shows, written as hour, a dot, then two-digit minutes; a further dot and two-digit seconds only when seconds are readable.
5.21
